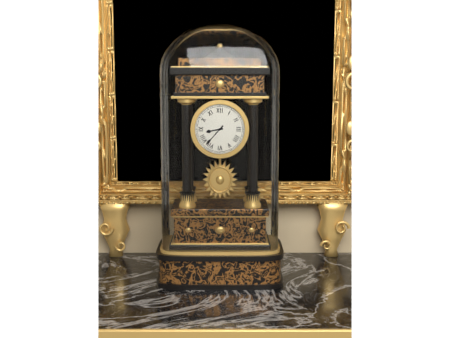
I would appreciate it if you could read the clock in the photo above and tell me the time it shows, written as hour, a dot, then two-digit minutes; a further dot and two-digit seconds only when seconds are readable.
8.37
